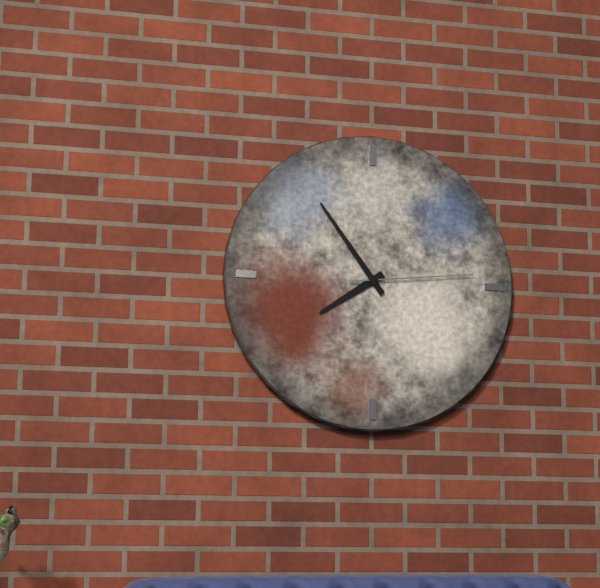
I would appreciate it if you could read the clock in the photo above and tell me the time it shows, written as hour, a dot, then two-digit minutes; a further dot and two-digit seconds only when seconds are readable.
7.54.14
